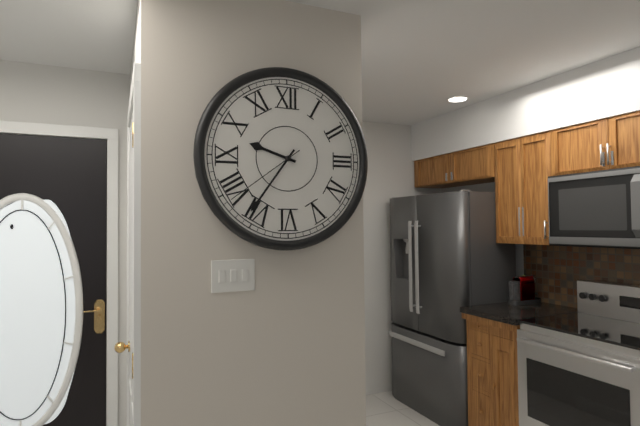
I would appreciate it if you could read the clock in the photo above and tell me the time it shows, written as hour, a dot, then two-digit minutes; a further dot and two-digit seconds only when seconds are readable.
9.36.39
